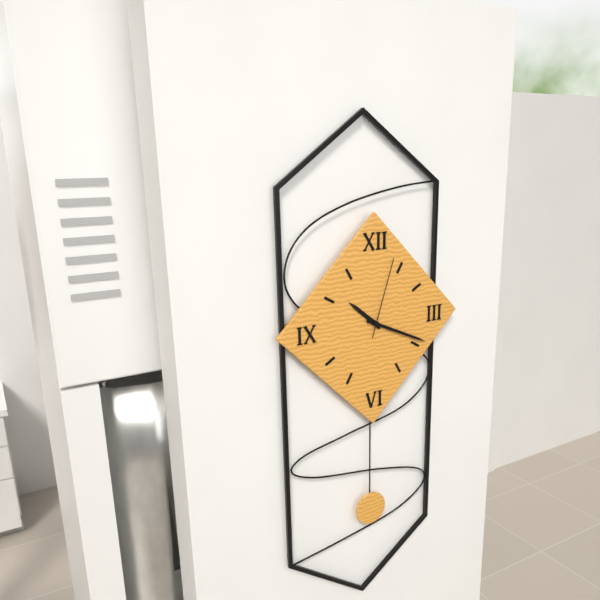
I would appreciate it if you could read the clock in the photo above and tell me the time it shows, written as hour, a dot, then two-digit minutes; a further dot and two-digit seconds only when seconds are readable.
10.19.03
